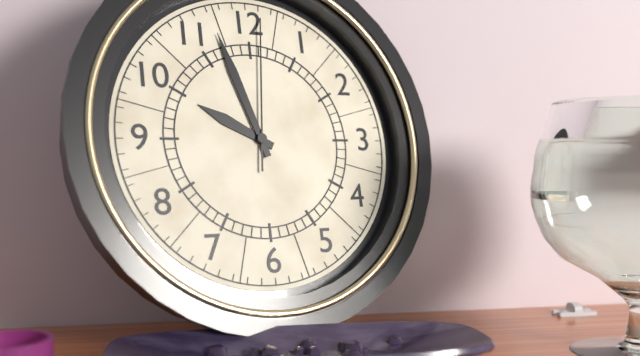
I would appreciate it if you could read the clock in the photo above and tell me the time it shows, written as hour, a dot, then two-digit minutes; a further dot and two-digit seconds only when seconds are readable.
9.57.01
